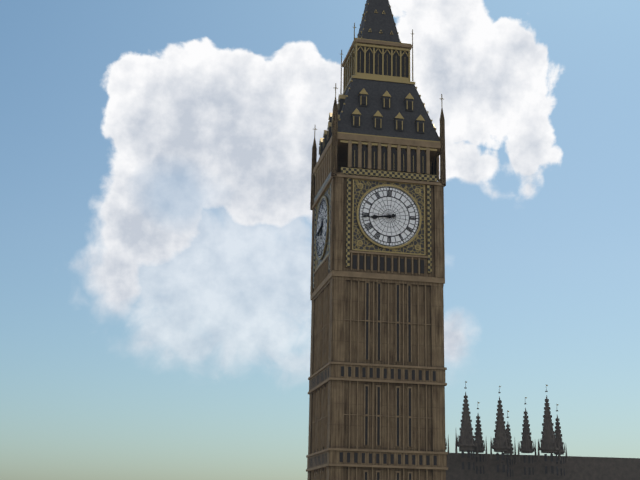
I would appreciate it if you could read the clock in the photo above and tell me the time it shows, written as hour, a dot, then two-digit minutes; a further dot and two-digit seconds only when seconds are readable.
8.44
